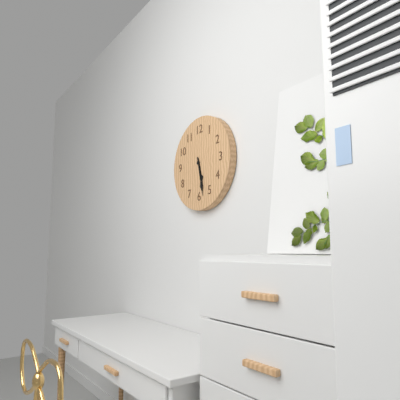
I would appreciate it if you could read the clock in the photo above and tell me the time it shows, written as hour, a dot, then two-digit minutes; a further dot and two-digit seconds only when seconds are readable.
5.28
